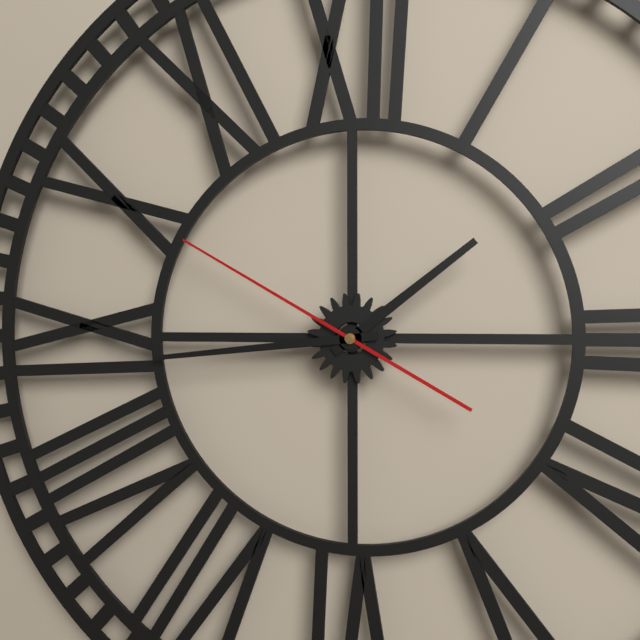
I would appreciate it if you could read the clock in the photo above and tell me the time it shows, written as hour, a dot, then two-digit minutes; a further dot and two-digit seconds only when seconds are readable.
1.44.50
